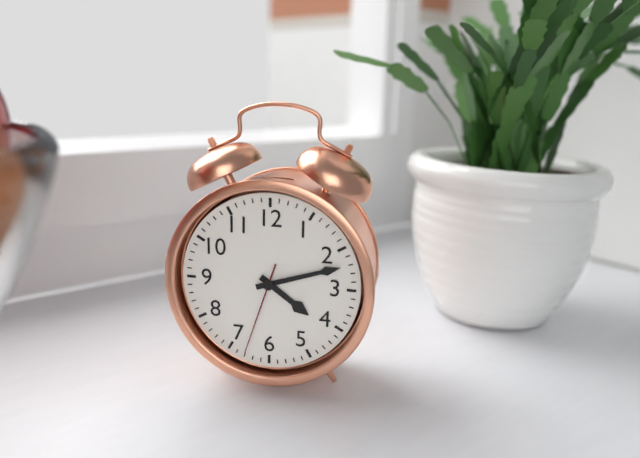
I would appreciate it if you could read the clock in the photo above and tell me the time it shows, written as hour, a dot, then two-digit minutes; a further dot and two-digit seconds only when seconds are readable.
4.12.33
